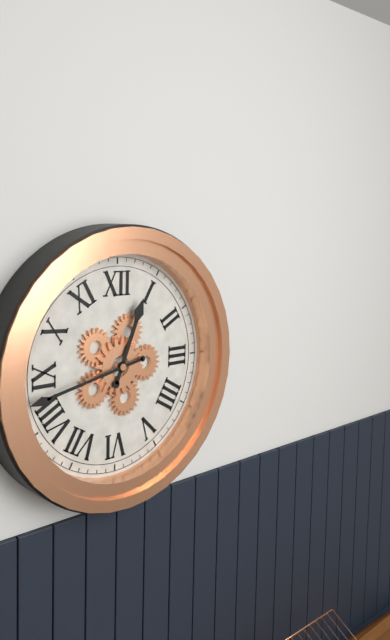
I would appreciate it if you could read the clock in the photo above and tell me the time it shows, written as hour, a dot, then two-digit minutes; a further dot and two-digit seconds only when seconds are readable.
12.43
